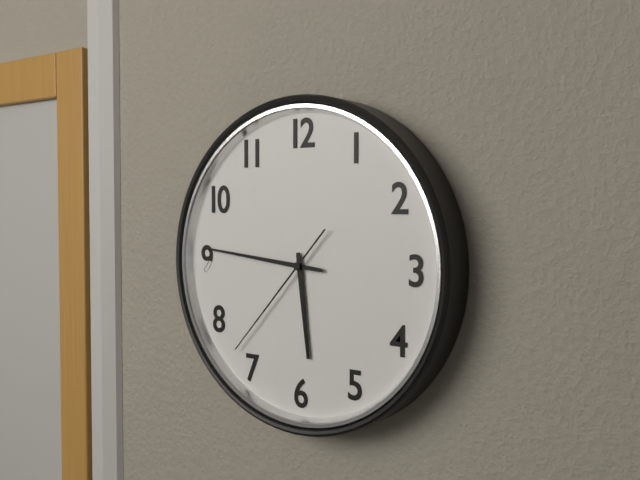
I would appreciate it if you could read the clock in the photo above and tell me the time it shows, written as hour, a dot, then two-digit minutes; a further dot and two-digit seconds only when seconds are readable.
5.46.37
